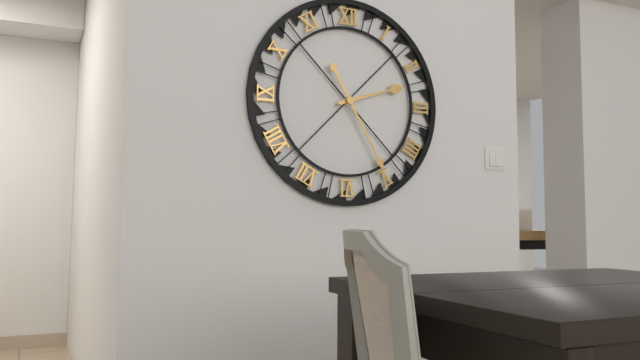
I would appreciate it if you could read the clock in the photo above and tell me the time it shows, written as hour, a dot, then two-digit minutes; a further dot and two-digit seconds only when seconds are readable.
2.25
